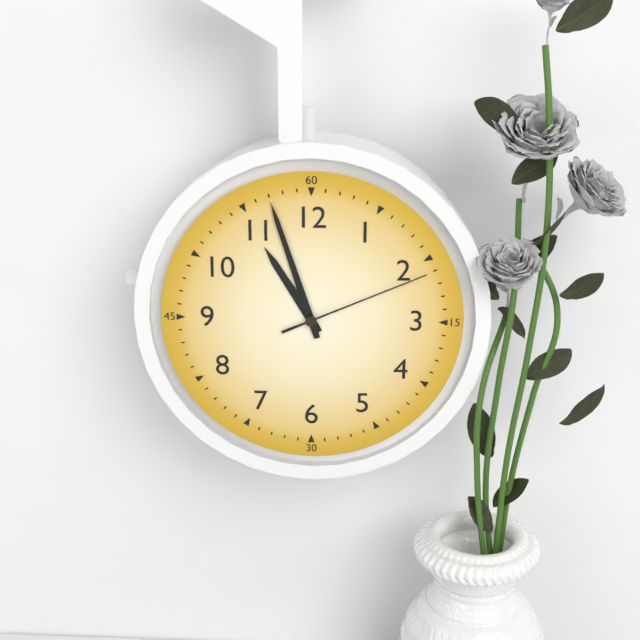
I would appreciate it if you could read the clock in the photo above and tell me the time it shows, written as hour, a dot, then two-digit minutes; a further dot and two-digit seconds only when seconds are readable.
10.57.11
